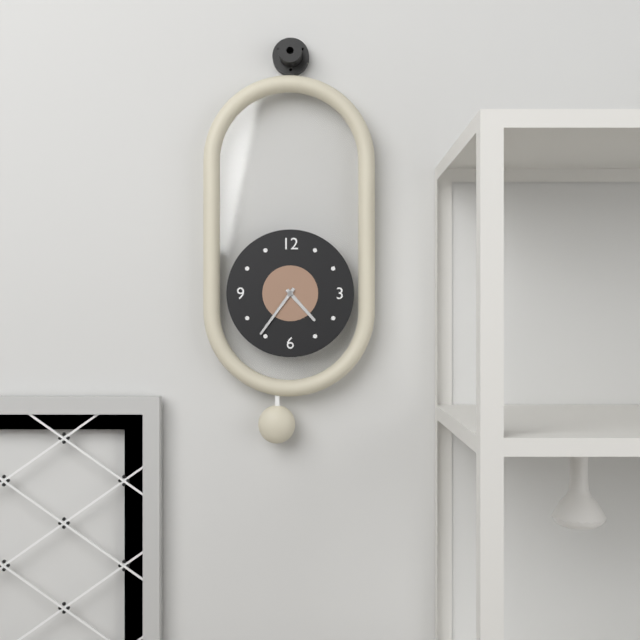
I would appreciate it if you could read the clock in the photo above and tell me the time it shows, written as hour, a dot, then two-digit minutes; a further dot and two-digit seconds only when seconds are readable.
4.36
